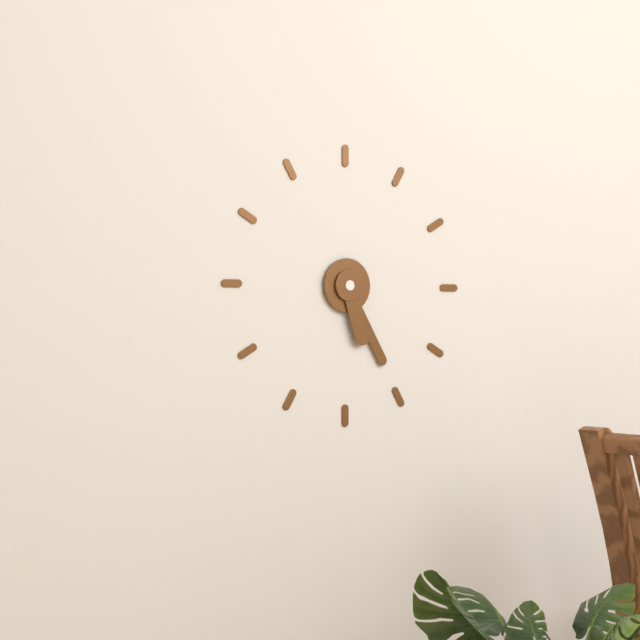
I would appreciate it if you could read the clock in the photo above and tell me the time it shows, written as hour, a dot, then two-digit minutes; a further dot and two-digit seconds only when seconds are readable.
5.25
